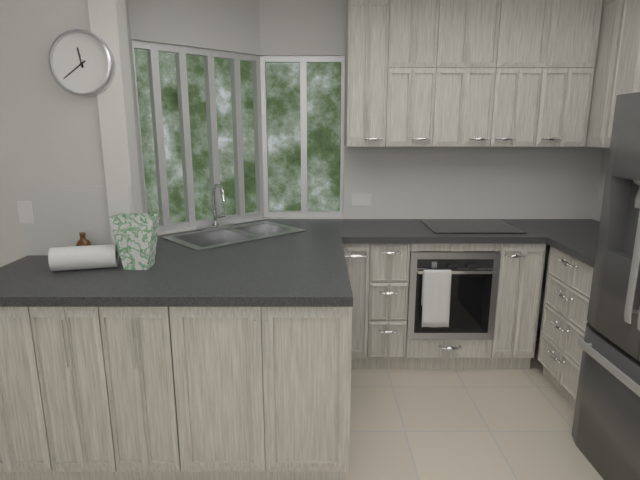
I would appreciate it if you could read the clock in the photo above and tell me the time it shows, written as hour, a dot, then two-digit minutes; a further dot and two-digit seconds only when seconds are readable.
11.39
